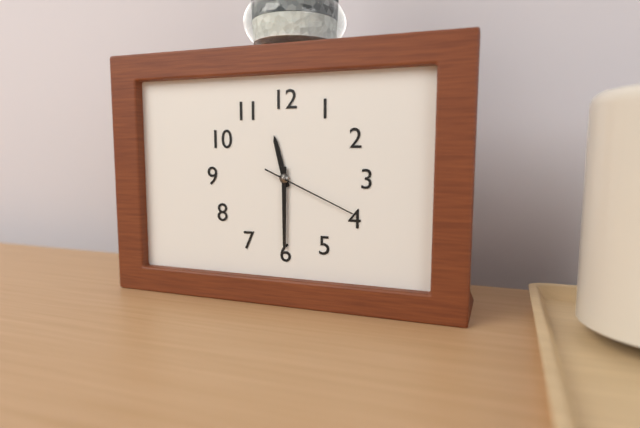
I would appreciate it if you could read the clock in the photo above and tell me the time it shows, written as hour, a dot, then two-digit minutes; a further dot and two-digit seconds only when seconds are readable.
11.30.19
